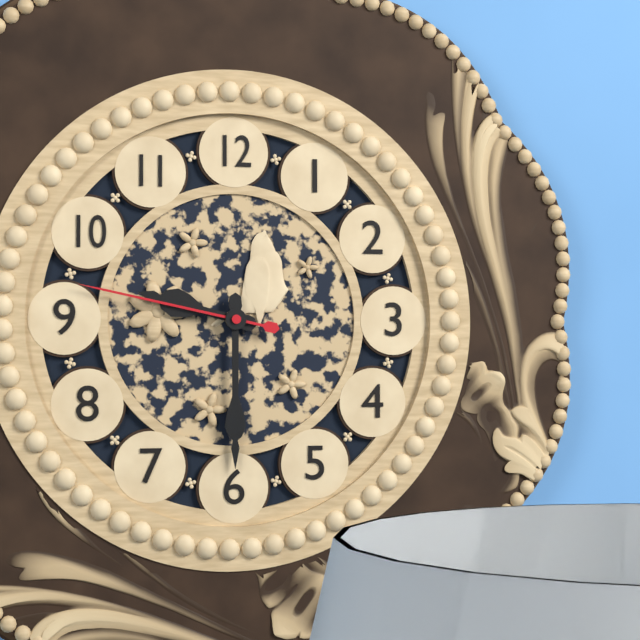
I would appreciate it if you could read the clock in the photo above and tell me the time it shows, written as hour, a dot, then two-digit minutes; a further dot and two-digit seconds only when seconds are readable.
9.30.47
